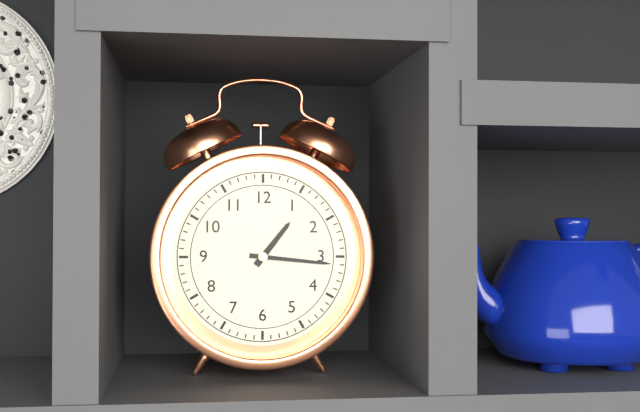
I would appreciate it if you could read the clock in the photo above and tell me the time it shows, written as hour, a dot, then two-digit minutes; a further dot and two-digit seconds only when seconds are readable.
1.16
